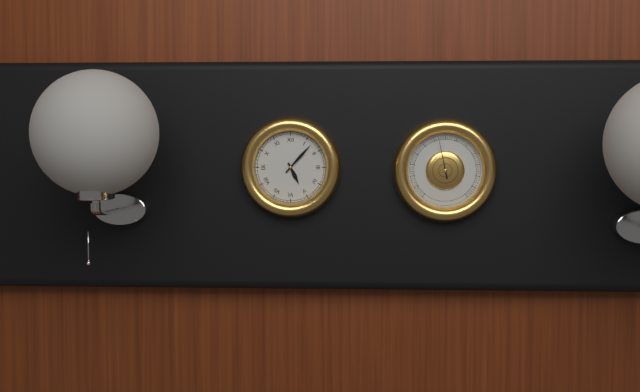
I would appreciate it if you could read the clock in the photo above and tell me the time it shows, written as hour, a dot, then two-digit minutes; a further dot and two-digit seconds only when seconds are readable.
5.07
